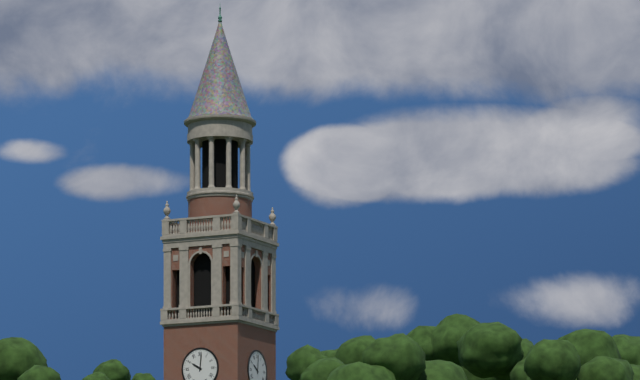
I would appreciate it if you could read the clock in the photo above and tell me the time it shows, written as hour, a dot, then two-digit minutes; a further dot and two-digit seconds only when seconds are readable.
10.01
